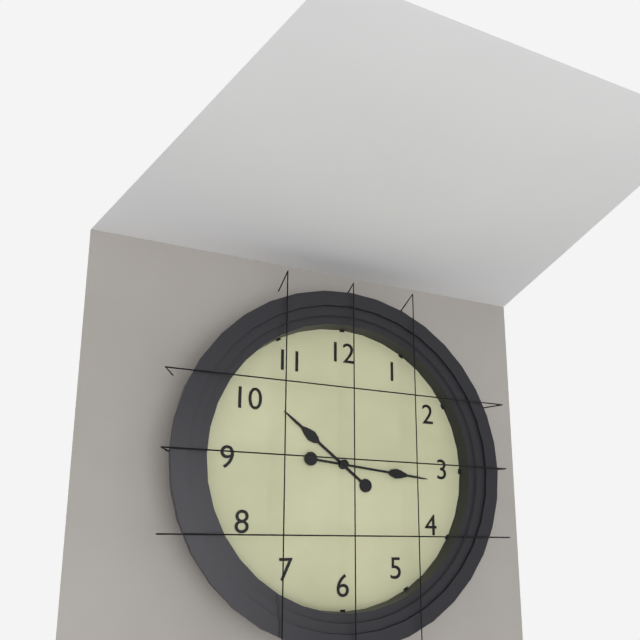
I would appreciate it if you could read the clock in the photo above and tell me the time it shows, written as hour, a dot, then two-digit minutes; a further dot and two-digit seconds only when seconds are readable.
10.16
